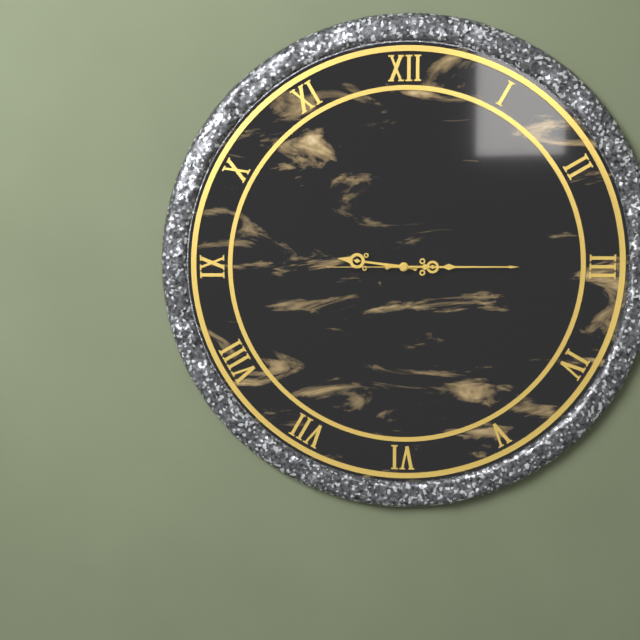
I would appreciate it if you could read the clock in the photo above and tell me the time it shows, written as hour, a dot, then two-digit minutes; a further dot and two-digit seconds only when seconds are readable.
9.15.45
